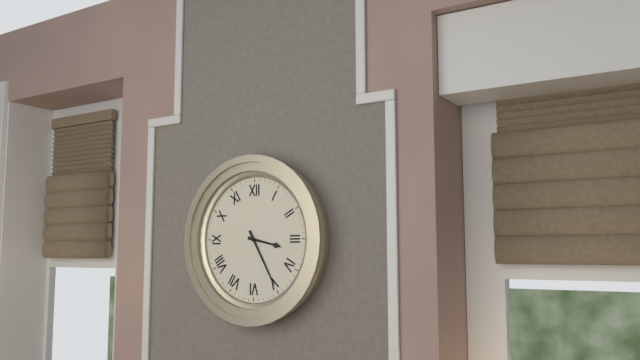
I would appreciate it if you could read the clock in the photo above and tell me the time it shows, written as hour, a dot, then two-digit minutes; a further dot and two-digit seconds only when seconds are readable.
3.25
